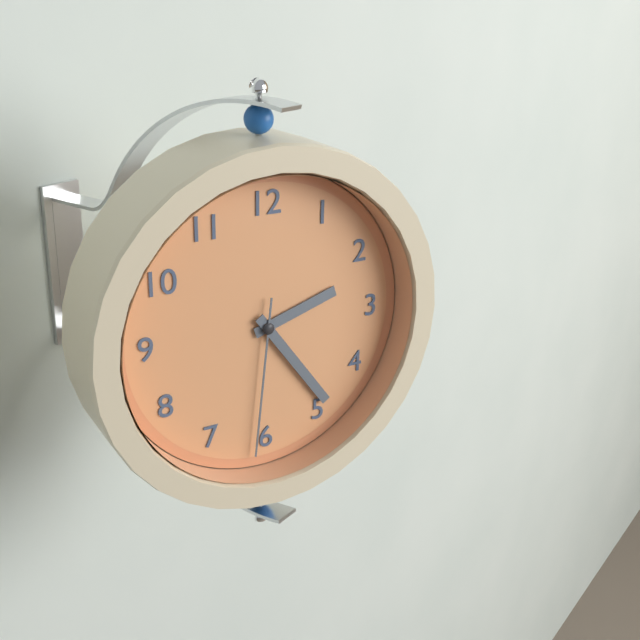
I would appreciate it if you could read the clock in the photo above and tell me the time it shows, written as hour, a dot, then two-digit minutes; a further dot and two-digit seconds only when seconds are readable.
2.24.31
